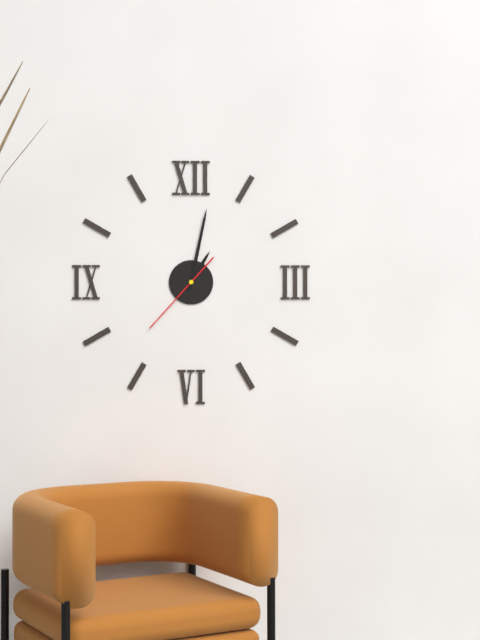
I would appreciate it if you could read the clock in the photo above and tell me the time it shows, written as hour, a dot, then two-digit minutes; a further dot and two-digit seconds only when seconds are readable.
1.02.37
